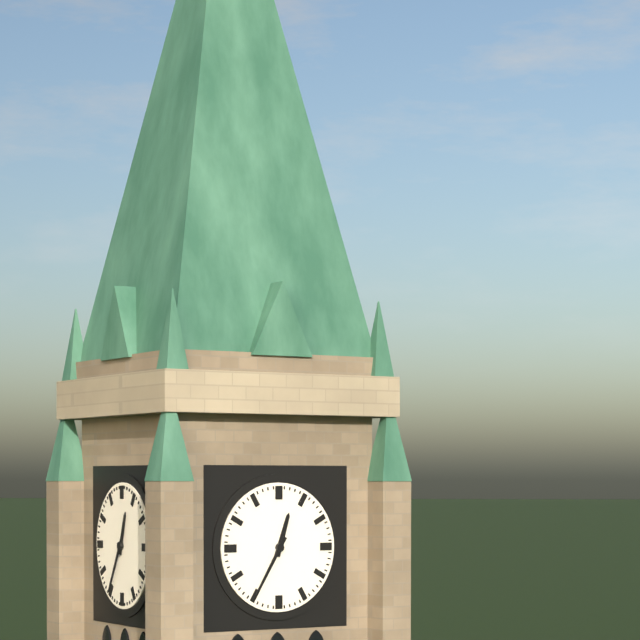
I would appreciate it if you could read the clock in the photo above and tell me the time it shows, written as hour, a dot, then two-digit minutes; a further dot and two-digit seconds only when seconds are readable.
12.35
